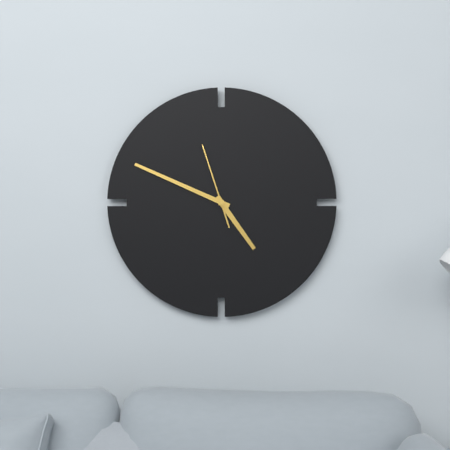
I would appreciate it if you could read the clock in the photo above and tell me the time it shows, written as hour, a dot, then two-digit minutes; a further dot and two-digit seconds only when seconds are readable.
4.49.57
